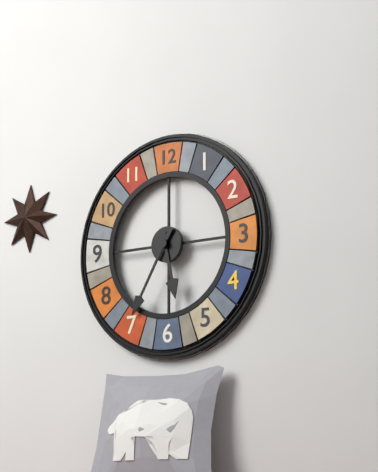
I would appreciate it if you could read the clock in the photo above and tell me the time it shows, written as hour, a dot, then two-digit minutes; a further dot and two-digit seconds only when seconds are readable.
5.35
